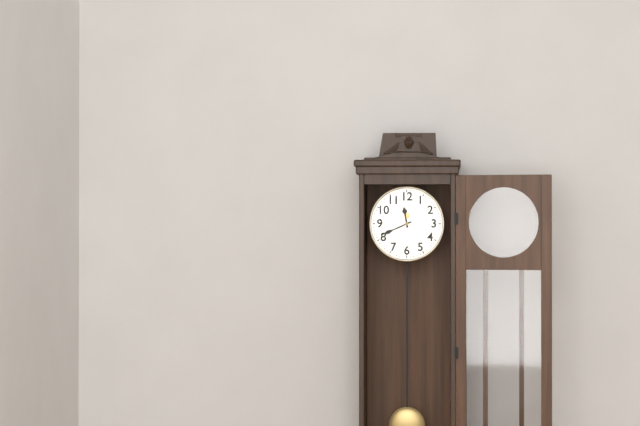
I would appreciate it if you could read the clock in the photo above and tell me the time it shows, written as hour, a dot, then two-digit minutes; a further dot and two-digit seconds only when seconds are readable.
11.41
